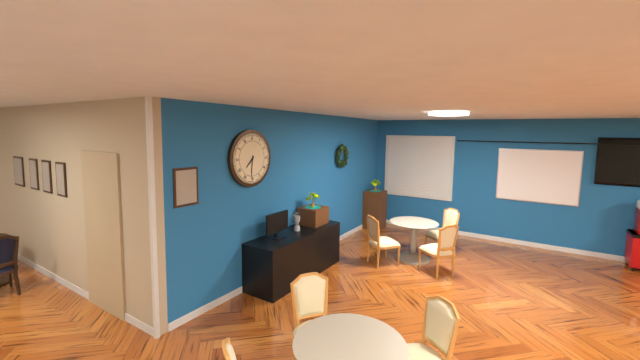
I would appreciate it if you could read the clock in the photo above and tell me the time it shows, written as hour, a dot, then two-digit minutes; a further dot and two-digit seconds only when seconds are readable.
7.31
